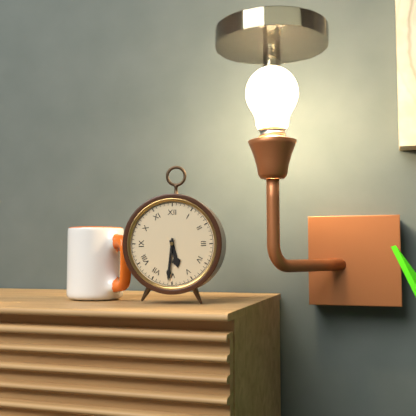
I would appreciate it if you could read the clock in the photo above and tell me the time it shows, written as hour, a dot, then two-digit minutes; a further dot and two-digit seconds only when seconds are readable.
5.31
